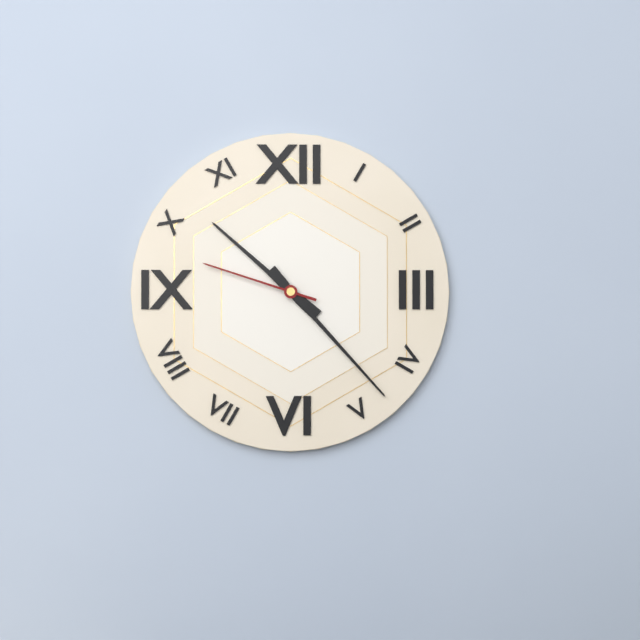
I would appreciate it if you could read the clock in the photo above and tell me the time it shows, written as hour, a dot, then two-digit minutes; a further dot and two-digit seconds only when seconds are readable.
10.23.48
